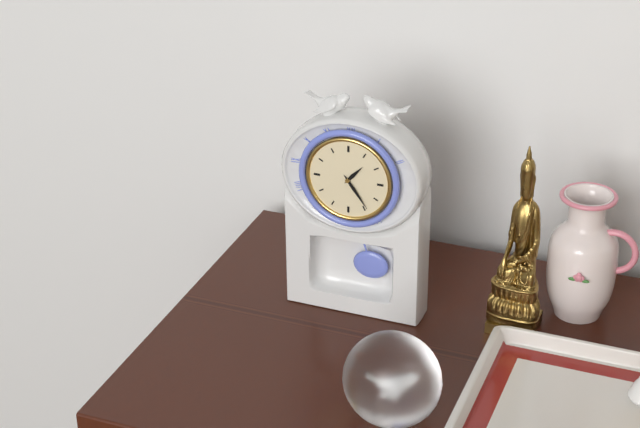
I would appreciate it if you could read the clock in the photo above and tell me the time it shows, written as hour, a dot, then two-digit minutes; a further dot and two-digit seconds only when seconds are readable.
1.24
